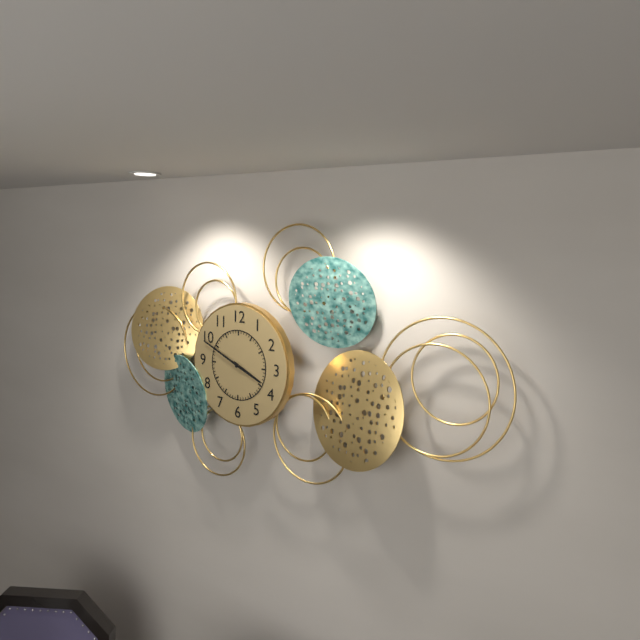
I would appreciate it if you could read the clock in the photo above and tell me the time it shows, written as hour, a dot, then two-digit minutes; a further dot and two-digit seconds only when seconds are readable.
3.49
